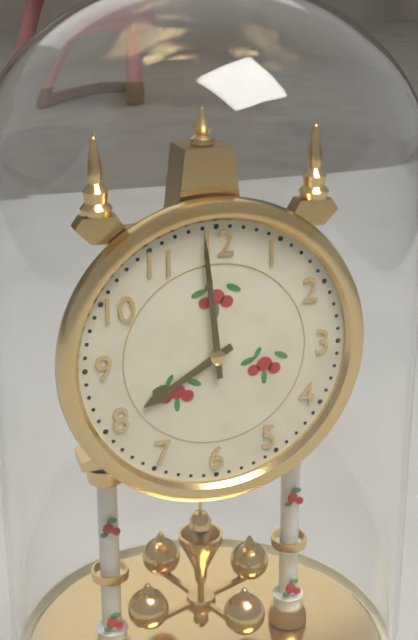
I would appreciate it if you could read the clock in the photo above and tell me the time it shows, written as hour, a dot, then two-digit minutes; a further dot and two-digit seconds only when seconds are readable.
7.59
